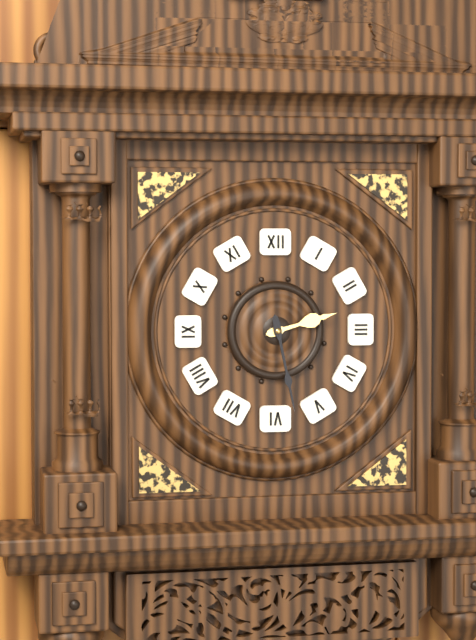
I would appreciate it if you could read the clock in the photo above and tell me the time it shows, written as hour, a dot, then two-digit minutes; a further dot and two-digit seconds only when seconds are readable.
2.28
